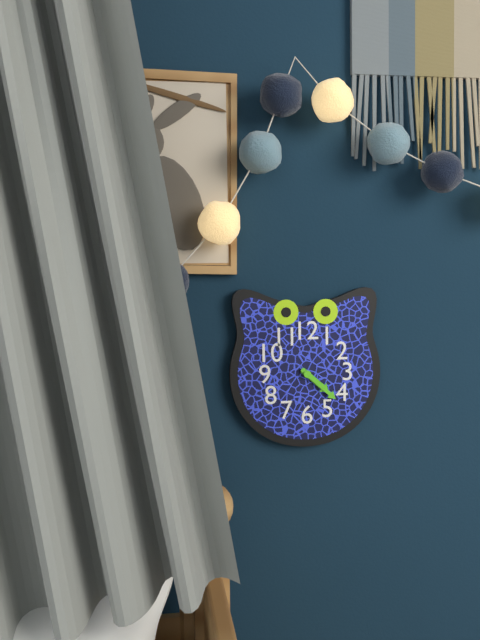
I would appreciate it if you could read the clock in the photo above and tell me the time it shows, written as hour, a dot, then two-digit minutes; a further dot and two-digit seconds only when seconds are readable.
4.22
